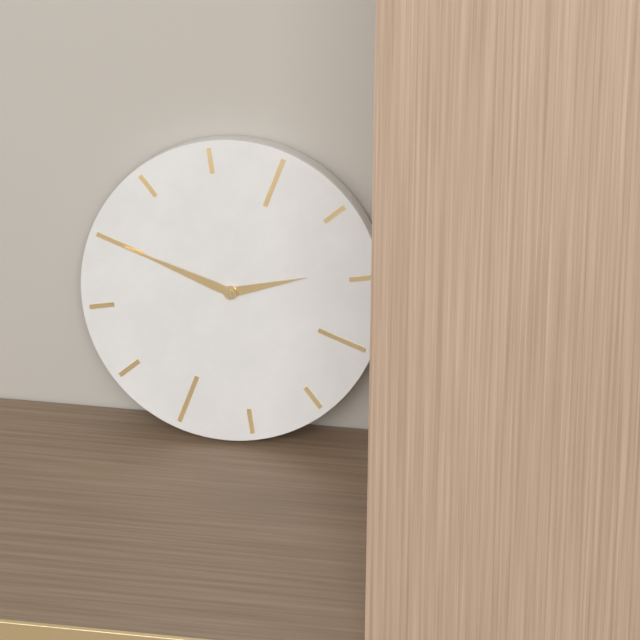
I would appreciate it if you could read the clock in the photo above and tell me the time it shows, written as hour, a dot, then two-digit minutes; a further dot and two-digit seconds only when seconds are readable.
2.50
